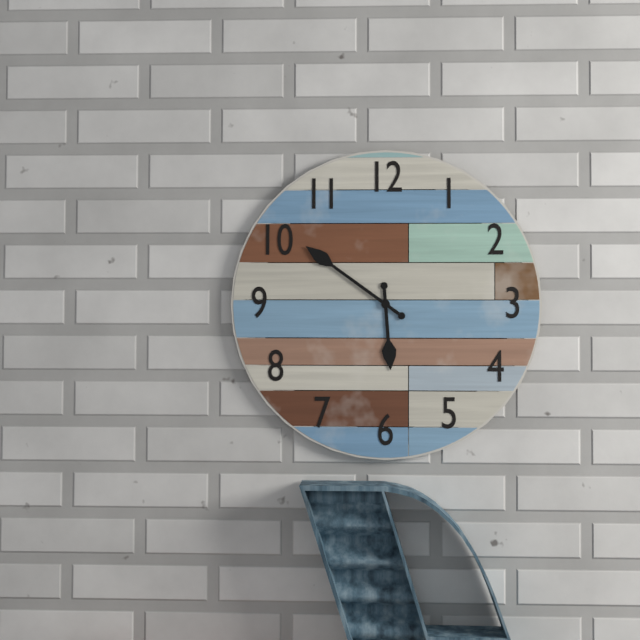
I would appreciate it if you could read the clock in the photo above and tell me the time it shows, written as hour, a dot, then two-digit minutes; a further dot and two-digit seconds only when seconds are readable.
5.51
